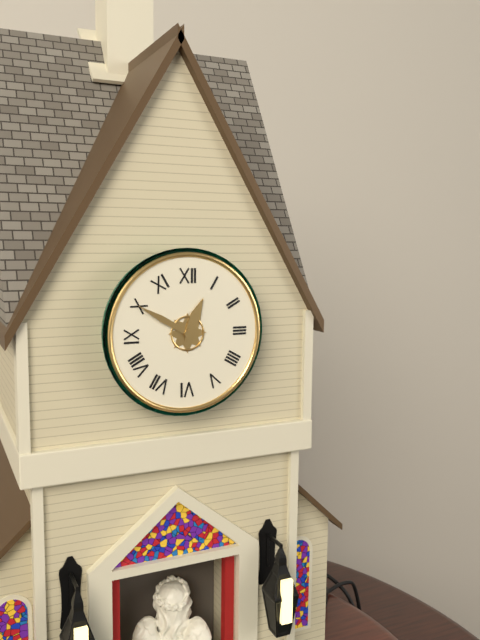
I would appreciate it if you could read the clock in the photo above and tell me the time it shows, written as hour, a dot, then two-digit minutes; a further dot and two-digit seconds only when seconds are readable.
12.50
